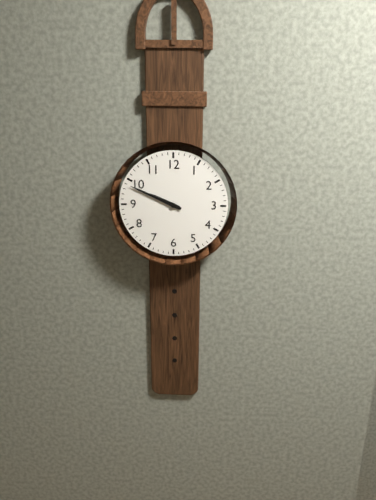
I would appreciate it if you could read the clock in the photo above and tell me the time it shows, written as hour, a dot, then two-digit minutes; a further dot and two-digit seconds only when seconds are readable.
9.49
